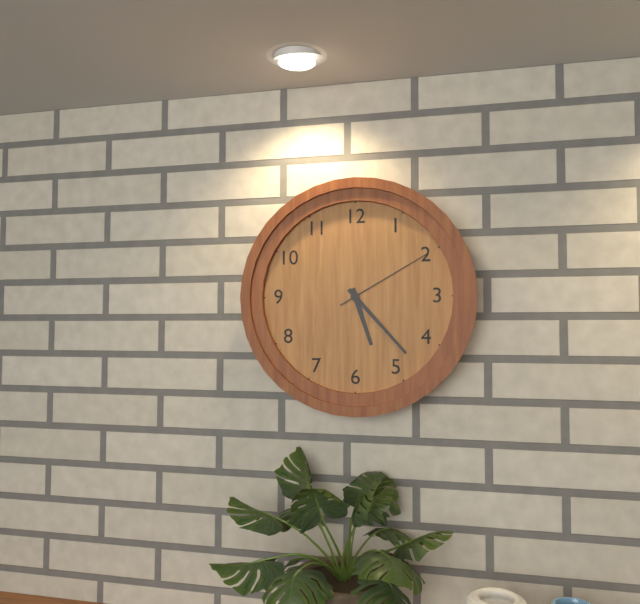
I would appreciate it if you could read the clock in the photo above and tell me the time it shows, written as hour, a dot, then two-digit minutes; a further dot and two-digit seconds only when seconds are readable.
5.23.10
